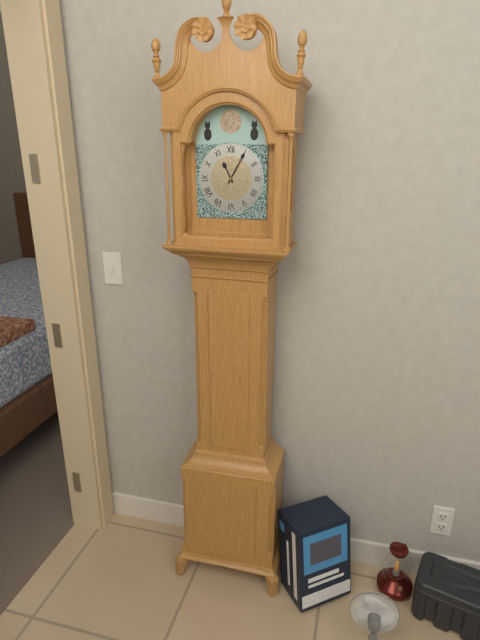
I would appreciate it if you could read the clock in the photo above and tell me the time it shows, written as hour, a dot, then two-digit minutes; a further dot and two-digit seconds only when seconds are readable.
11.05
